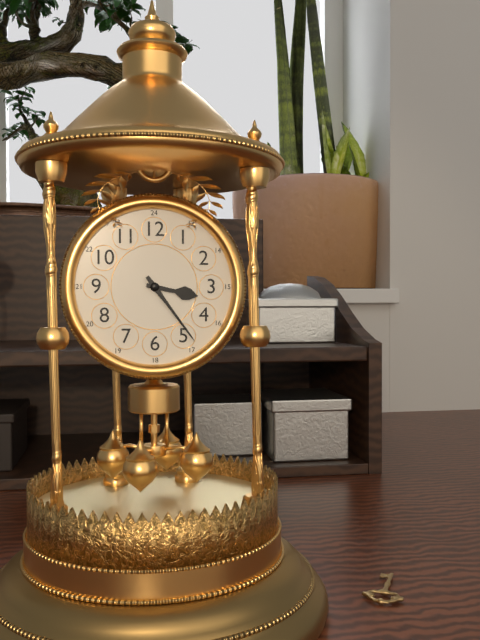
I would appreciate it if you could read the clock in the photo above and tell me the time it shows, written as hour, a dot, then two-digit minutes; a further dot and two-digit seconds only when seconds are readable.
3.24
